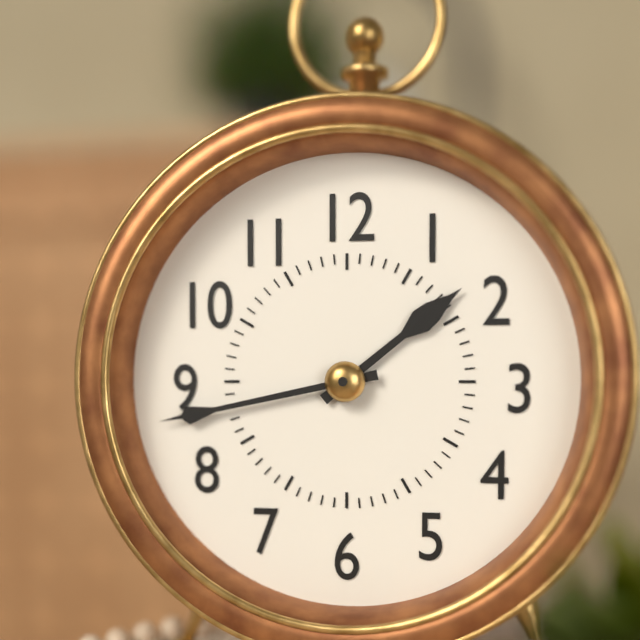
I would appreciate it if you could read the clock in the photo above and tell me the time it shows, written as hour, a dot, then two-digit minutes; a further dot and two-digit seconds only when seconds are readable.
1.43
